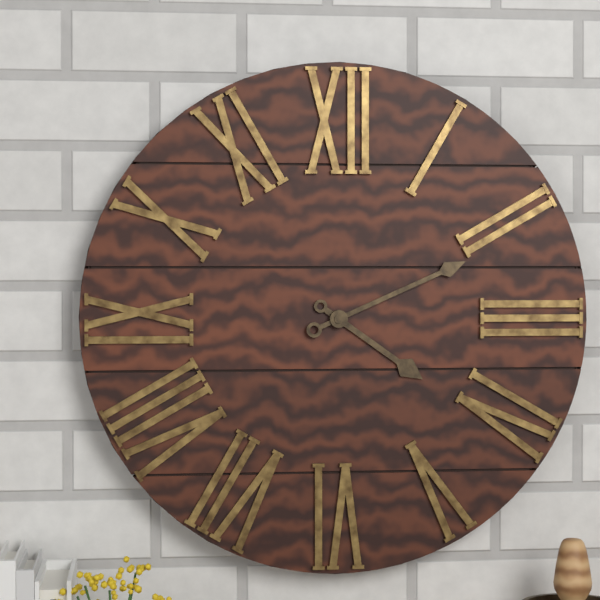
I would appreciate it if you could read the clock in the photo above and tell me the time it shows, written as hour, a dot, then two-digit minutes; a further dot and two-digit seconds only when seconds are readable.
4.11
